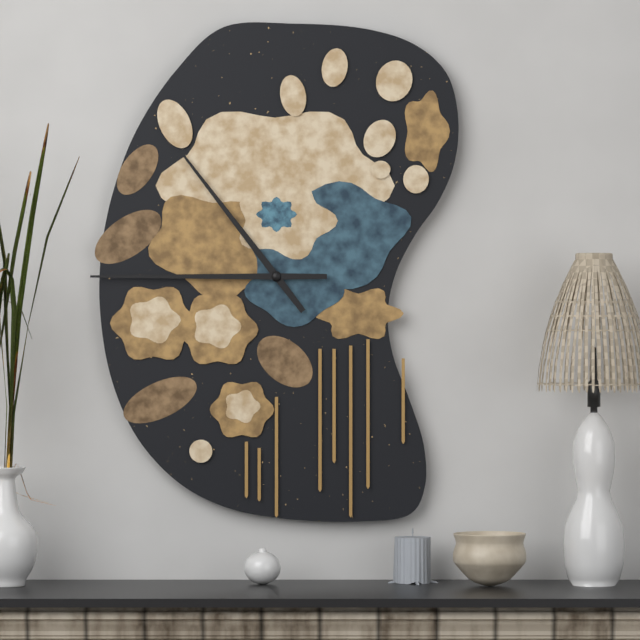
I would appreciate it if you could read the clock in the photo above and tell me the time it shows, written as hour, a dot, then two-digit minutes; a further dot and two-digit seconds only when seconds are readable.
10.45
